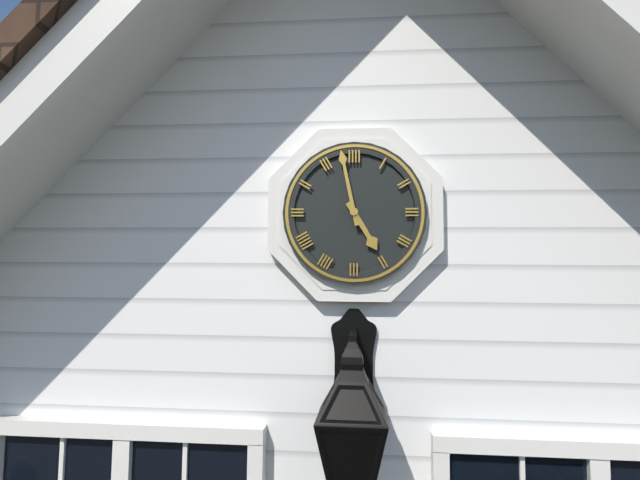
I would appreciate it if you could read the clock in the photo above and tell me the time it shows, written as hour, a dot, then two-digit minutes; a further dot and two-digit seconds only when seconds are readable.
4.58
